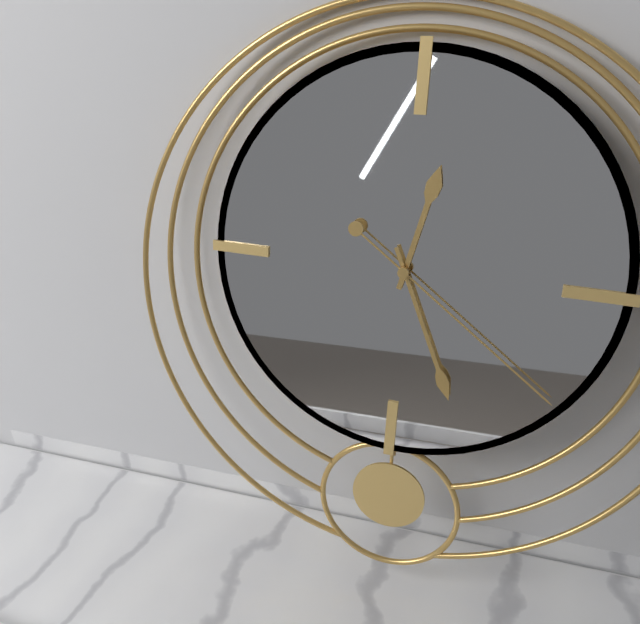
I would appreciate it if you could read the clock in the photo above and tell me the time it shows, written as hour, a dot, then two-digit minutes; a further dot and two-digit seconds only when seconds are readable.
12.26.21
